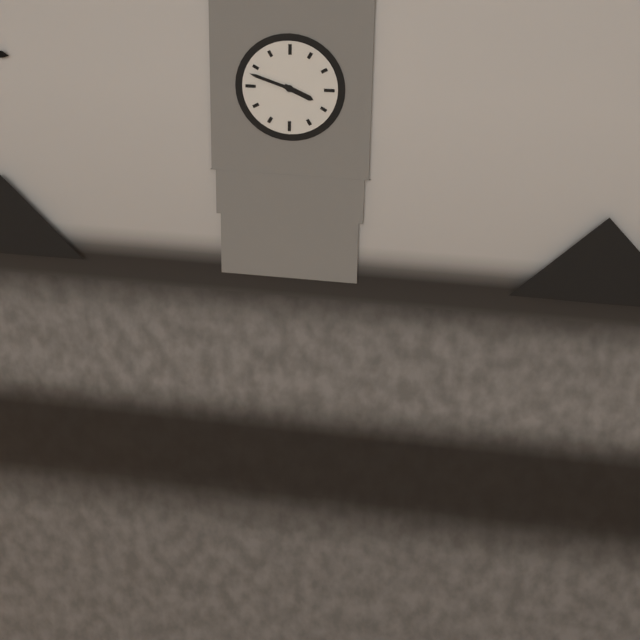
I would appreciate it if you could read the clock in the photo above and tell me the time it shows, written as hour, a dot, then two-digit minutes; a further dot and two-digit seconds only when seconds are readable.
3.48
